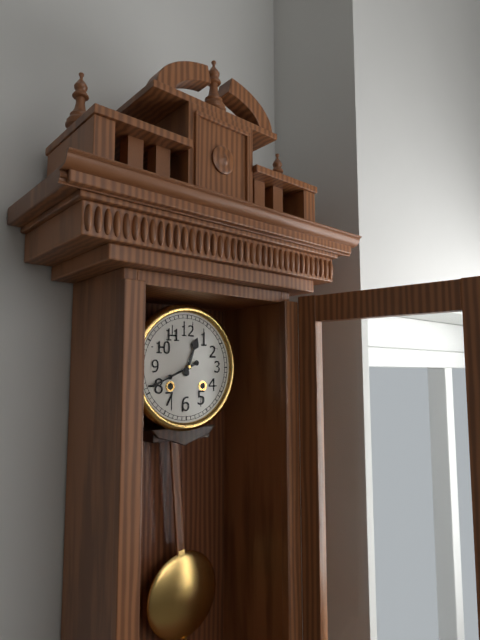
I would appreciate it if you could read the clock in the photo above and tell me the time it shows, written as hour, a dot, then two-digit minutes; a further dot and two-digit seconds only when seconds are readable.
12.41
